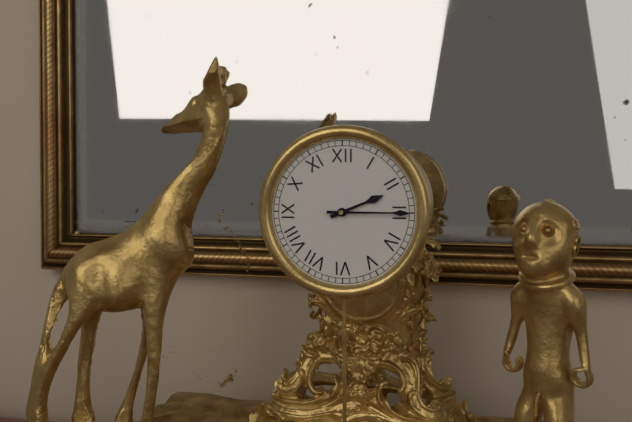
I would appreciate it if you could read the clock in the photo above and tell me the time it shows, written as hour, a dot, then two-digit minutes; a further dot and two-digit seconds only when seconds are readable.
2.15
